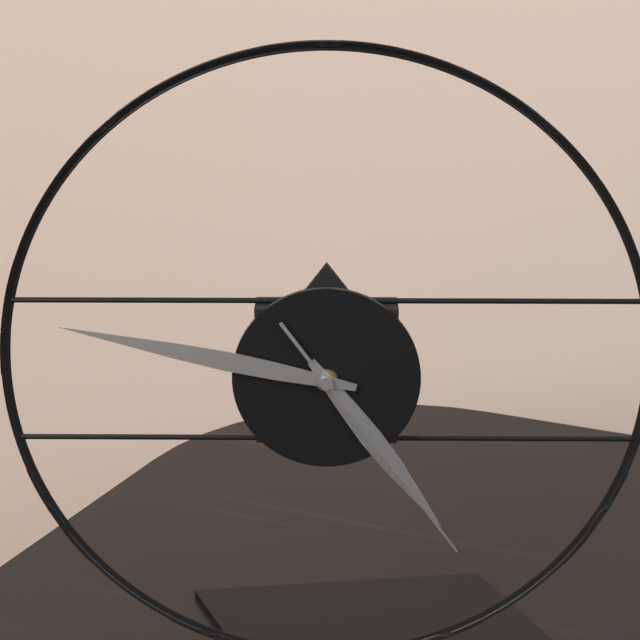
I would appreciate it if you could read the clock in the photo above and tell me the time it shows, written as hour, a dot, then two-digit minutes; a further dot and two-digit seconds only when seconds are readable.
4.47.24
